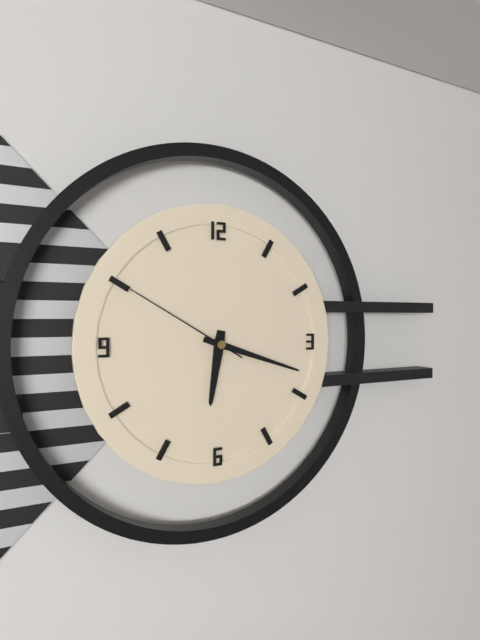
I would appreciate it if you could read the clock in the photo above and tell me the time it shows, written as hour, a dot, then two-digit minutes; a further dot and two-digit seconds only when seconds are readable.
6.18.50
